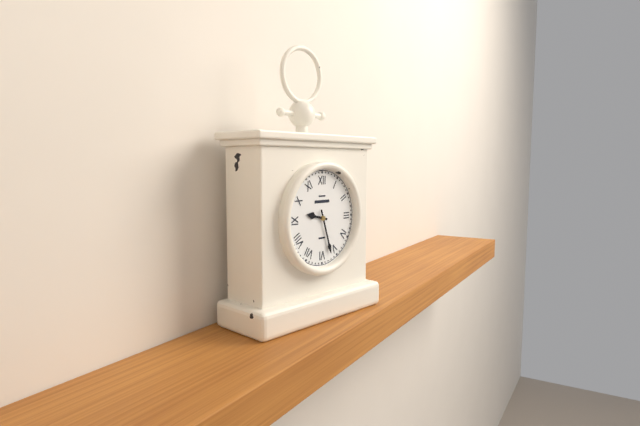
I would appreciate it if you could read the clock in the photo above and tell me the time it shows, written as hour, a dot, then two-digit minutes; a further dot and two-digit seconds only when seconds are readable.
9.27
